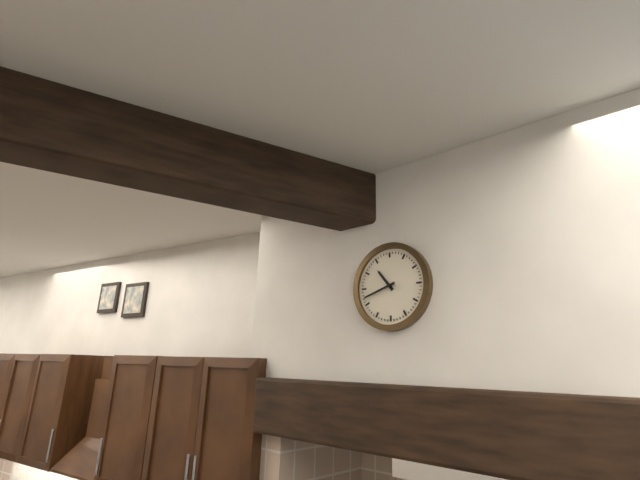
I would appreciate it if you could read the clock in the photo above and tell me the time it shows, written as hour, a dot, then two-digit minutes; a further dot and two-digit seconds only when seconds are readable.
10.42
